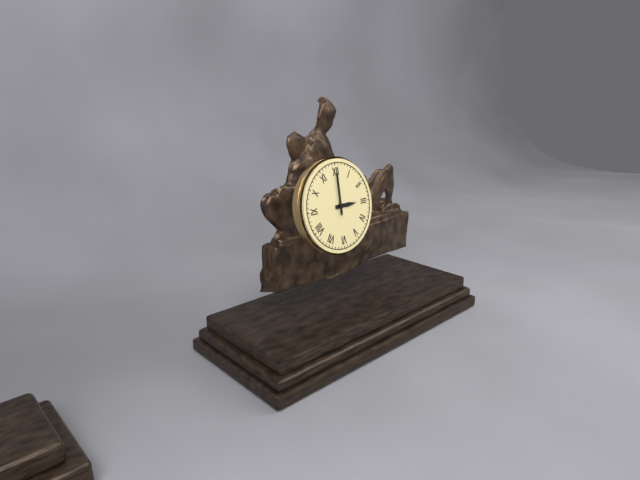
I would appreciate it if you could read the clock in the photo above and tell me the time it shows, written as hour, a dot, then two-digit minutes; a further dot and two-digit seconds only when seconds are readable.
3.00
